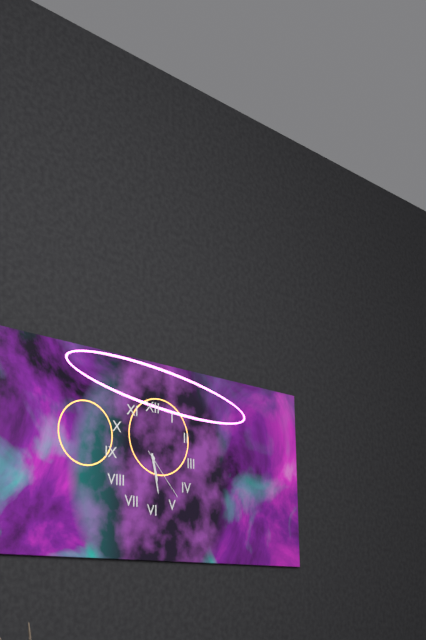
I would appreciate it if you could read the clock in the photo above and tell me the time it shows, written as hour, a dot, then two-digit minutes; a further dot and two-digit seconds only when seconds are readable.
5.28.23
